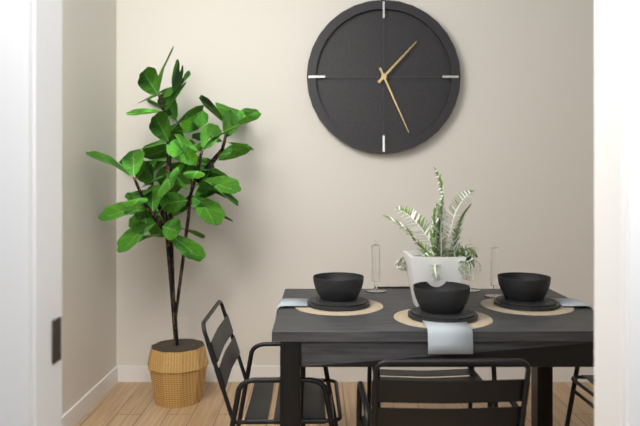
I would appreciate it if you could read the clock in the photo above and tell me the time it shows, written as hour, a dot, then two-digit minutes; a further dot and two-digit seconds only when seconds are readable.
1.26
